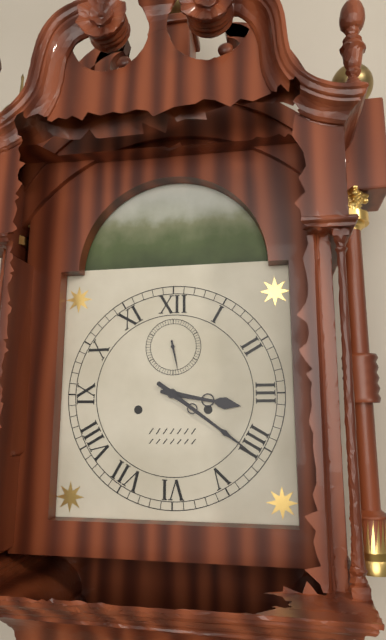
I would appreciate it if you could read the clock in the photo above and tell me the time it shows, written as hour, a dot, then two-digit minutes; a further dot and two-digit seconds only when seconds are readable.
3.21
